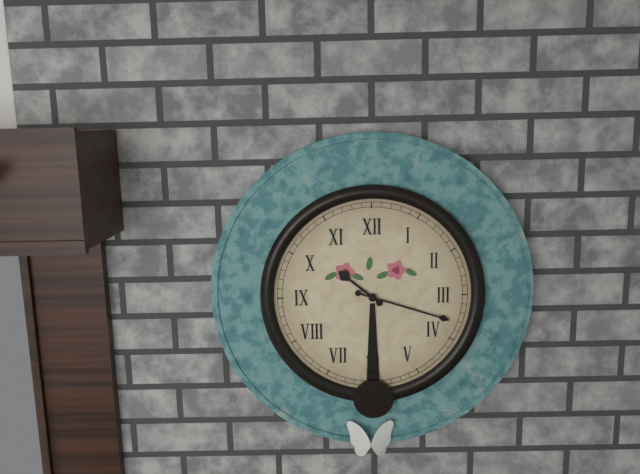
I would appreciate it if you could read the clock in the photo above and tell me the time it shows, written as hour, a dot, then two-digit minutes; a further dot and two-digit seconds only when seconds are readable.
10.18
